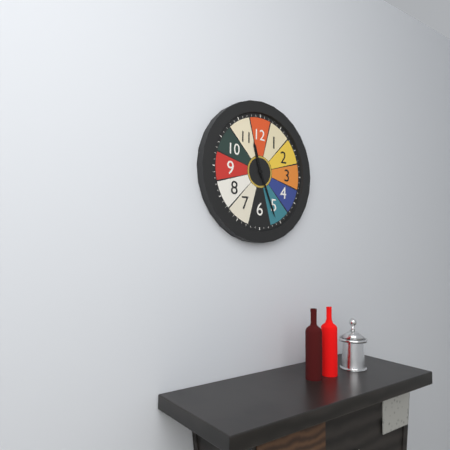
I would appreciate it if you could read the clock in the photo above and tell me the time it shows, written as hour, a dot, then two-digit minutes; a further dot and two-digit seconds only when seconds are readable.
11.26
